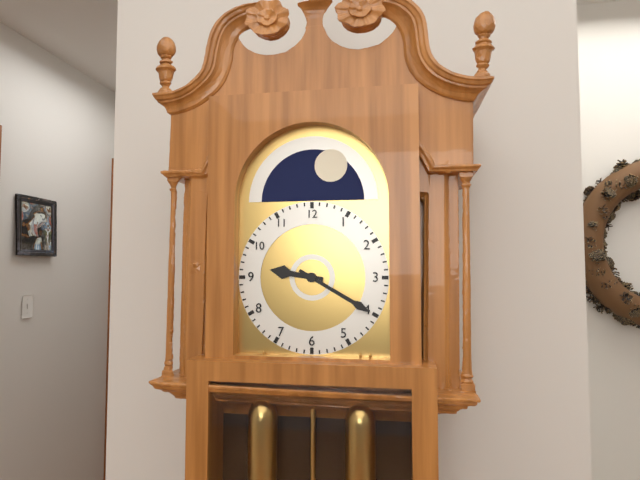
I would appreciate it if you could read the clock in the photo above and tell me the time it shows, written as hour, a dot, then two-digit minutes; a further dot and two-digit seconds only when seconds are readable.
9.20
